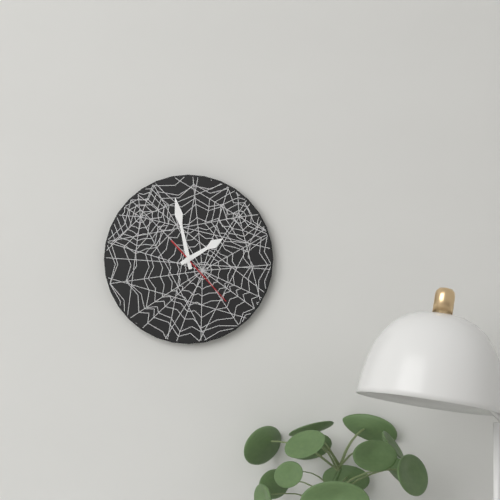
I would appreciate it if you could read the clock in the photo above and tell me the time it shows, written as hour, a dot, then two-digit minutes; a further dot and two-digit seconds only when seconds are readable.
1.58.23
